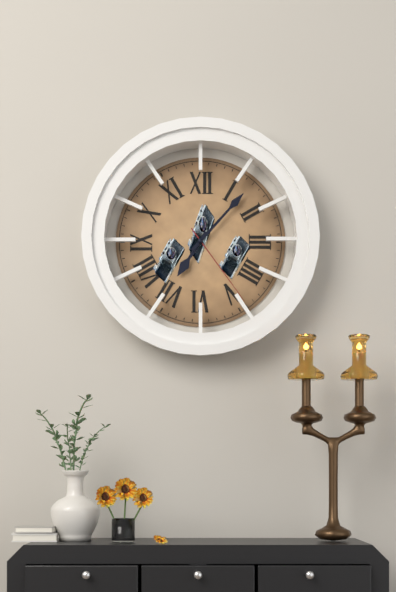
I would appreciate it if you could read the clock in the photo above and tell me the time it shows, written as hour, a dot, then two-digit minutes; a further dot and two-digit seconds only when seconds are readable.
7.07.24
